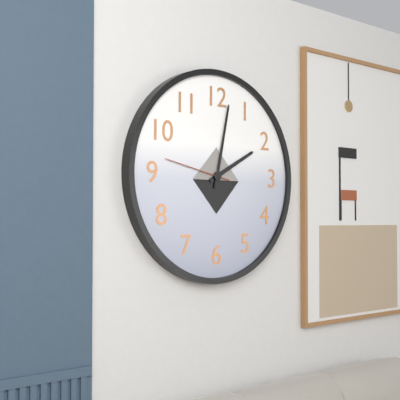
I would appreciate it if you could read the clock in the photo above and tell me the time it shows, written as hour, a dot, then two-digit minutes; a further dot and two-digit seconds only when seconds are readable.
2.02.47
